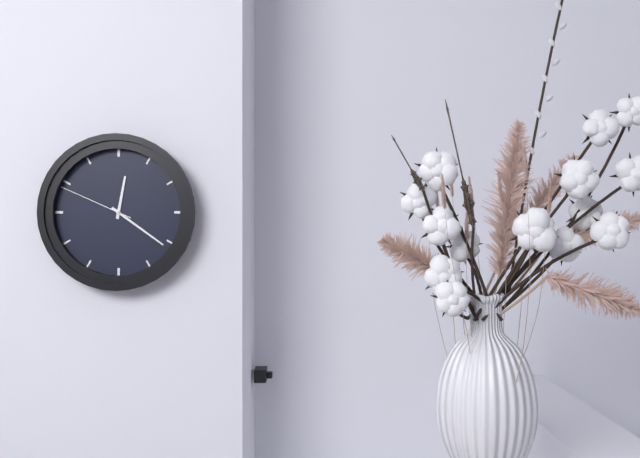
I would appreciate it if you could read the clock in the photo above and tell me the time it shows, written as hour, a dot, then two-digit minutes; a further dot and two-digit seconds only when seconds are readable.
12.21.49
